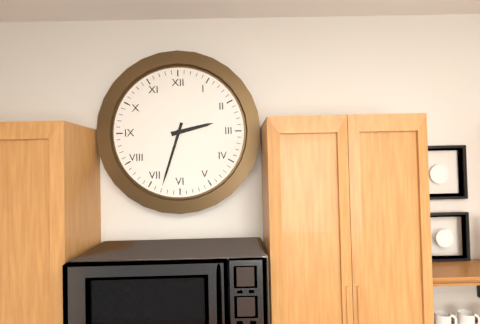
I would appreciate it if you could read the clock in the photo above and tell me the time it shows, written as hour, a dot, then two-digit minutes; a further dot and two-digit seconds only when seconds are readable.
2.33
